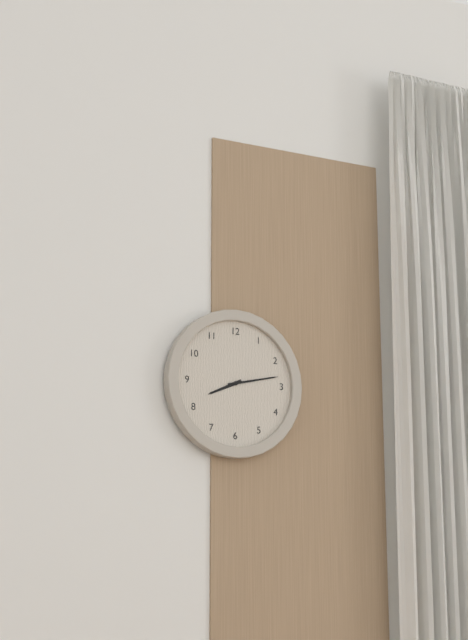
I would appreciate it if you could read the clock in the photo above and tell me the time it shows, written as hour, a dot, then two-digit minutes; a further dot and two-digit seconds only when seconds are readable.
8.13
